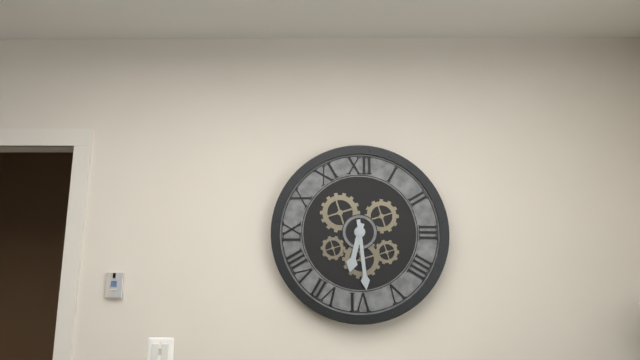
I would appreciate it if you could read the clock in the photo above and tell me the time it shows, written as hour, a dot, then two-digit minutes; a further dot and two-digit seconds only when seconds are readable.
6.29
